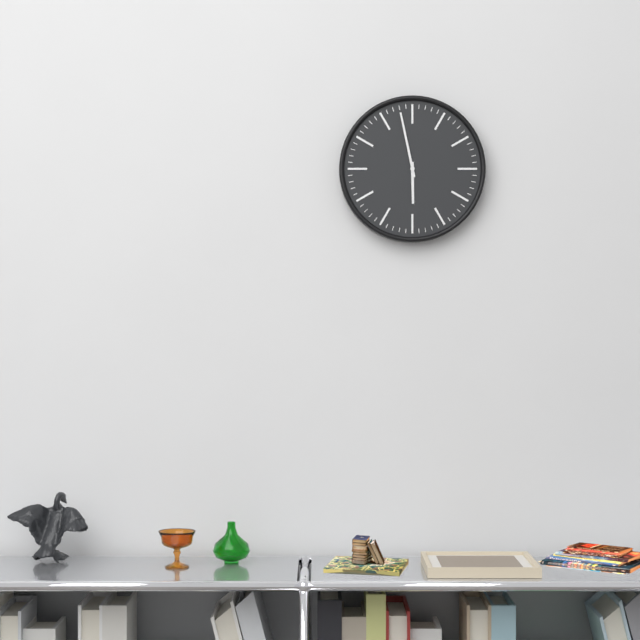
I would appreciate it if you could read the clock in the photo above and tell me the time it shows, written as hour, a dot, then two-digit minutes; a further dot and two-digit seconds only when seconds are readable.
5.58
